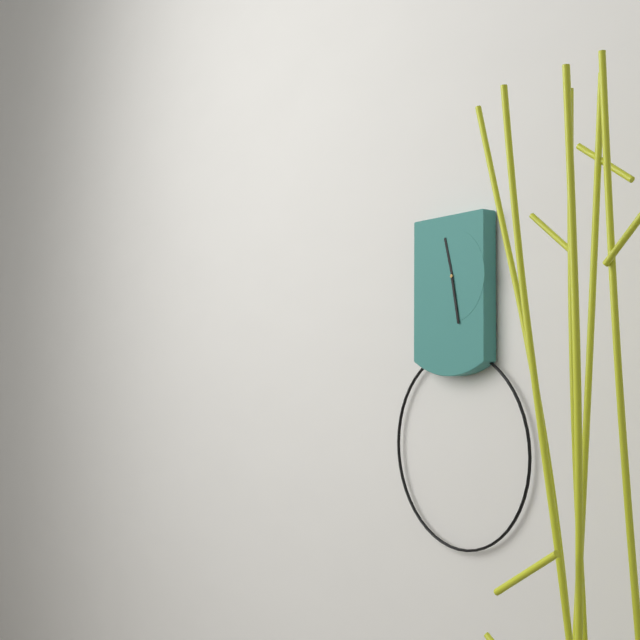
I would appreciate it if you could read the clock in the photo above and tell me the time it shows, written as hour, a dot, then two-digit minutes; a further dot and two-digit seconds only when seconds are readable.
11.28
